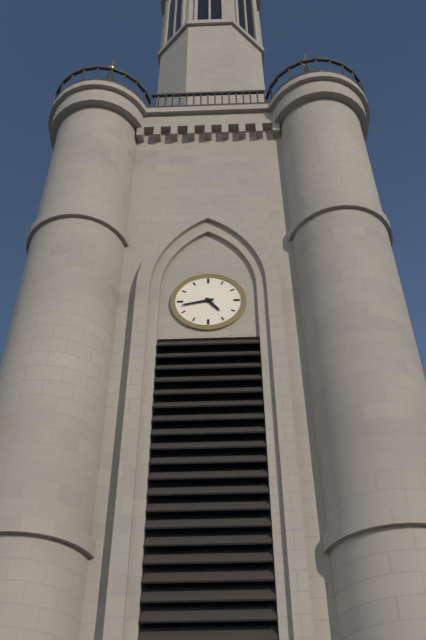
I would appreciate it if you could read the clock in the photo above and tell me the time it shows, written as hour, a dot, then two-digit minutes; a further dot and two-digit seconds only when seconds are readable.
4.43
